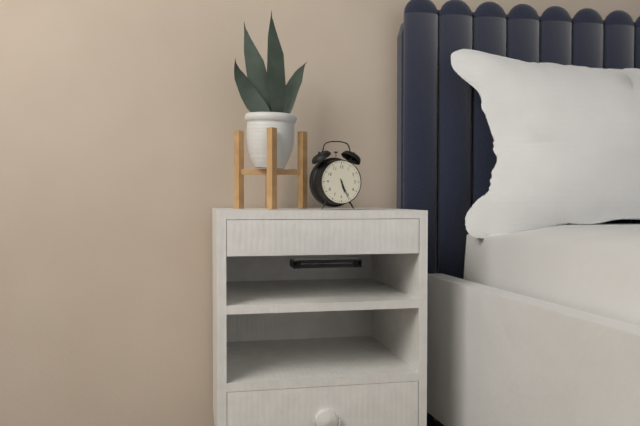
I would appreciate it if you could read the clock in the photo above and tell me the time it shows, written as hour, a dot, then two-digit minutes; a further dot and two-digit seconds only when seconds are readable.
5.26
